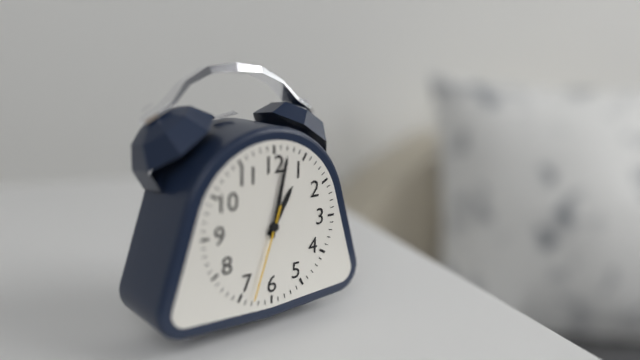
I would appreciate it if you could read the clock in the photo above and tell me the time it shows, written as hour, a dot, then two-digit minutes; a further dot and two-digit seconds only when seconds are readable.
1.02.33
